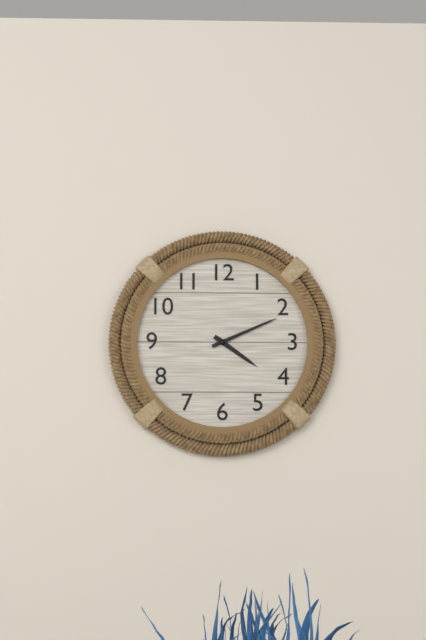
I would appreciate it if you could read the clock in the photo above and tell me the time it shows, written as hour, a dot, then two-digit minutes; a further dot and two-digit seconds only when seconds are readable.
4.11
